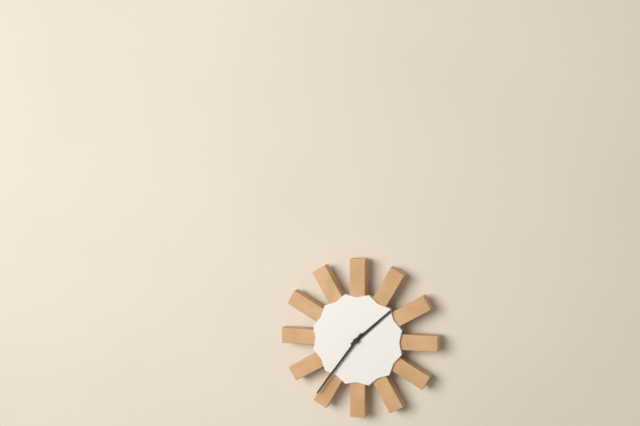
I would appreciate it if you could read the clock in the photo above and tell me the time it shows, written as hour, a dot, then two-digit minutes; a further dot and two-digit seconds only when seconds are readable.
1.36
